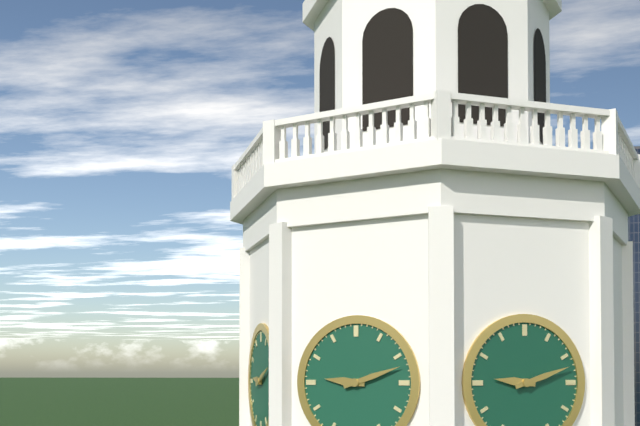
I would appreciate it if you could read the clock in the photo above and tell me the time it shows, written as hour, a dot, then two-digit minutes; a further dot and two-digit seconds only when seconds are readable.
9.12
